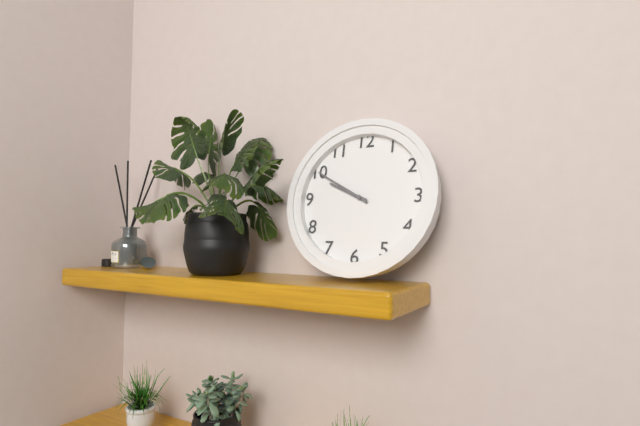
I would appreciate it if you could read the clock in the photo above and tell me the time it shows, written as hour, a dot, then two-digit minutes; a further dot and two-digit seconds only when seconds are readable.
9.50
